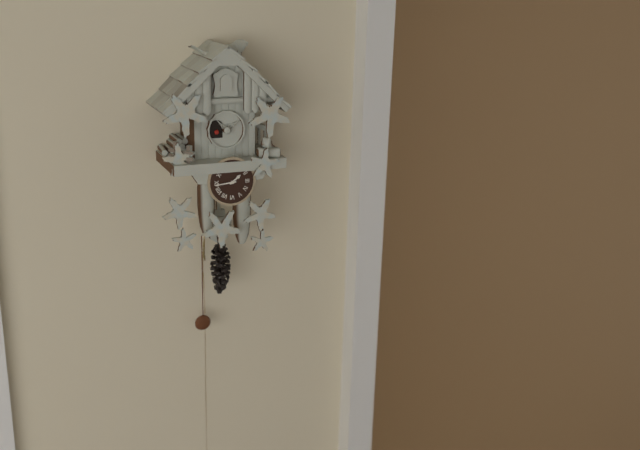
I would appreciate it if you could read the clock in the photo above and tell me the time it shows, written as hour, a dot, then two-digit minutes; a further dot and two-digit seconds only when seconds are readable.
1.44
